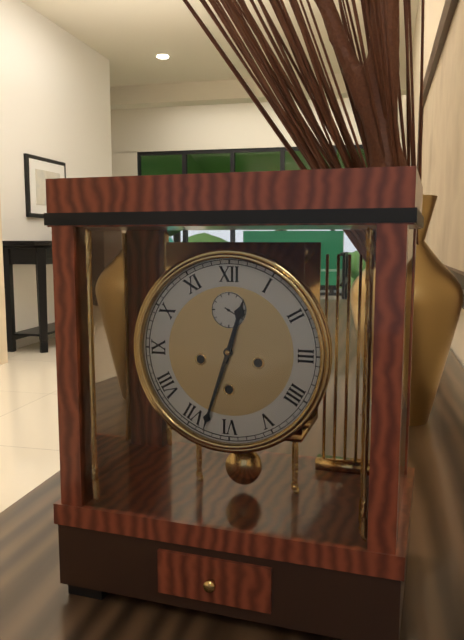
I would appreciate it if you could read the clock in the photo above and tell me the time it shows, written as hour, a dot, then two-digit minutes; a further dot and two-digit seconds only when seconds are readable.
12.33
